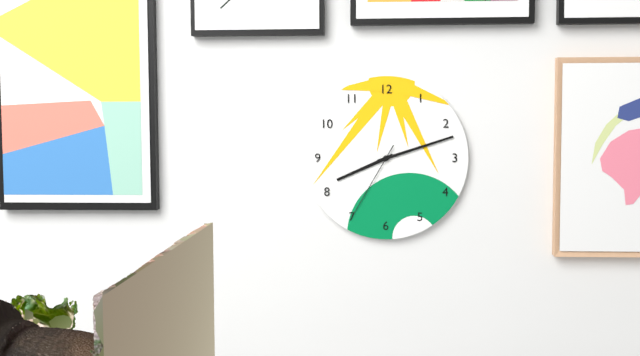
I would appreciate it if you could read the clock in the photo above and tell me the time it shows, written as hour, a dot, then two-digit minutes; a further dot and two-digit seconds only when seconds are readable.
8.12.35
